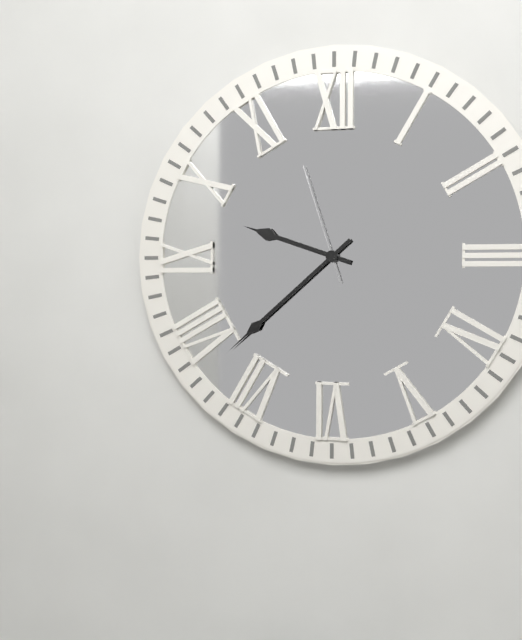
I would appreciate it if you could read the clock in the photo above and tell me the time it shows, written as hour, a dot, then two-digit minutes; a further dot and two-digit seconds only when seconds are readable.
9.38.57
